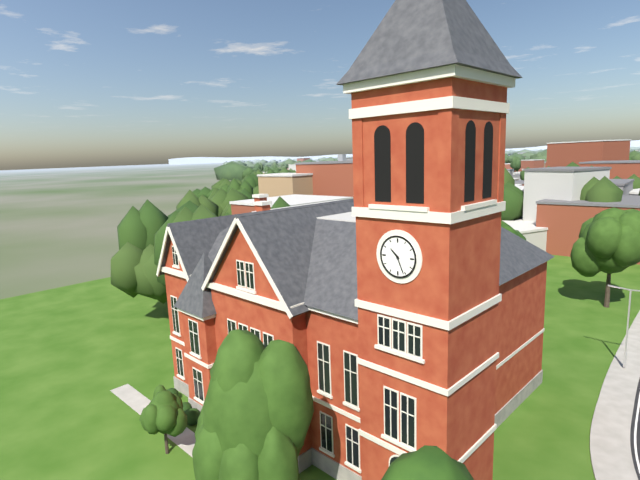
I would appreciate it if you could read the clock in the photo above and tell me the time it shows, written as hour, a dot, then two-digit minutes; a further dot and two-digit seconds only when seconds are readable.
10.26
